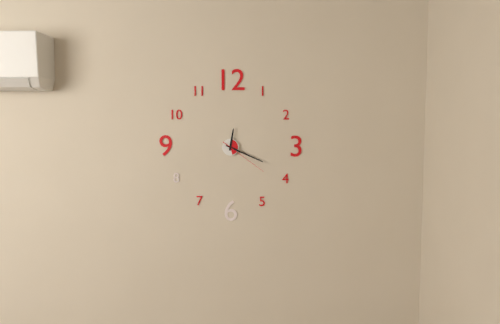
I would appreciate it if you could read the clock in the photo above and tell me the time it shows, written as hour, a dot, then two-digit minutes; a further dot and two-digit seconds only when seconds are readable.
12.19.21
